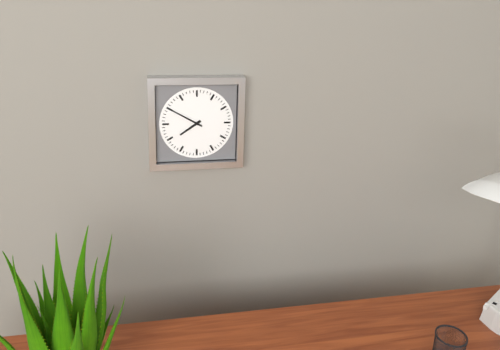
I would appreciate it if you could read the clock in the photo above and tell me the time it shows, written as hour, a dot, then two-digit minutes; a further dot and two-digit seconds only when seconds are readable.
7.50
